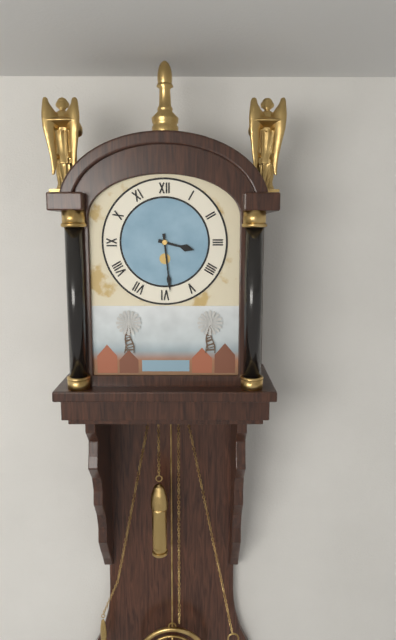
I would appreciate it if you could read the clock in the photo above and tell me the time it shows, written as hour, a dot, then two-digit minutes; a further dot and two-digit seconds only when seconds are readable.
3.29
